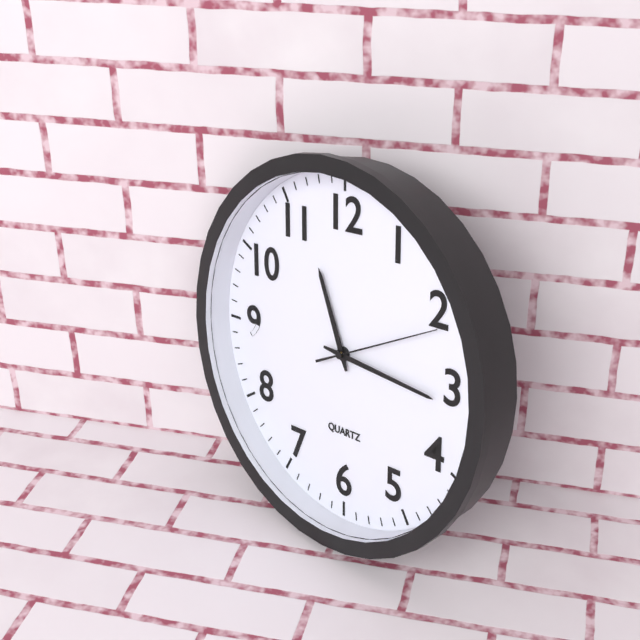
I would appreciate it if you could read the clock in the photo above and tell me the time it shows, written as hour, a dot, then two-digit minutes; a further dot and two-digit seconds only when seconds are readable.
11.16.11
